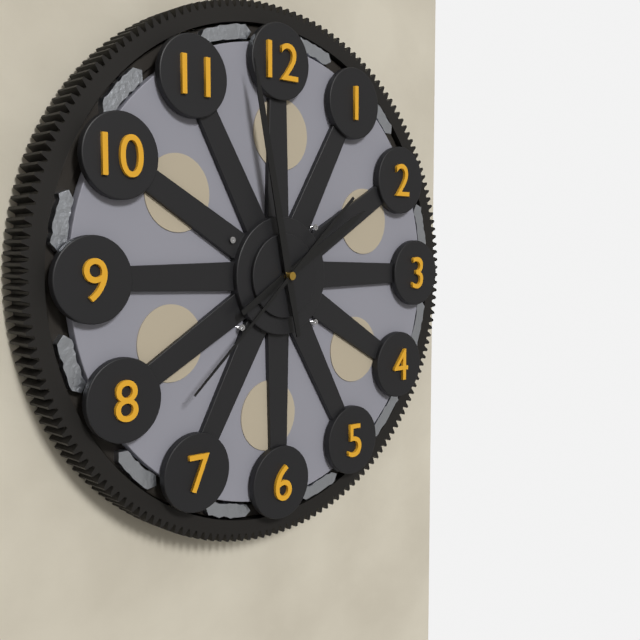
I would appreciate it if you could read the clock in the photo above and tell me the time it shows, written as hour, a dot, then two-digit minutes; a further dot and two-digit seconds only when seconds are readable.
1.58.38
